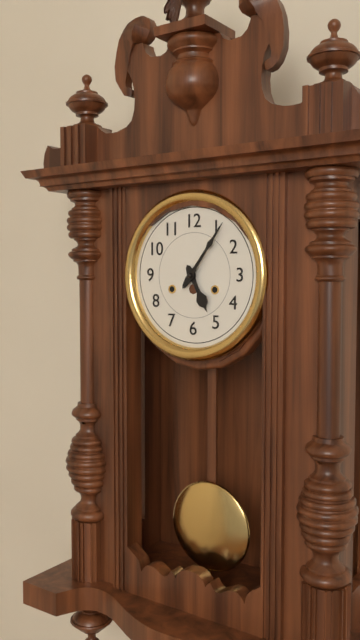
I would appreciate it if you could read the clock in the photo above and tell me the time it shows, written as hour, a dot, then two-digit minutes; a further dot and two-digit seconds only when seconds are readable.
5.06
